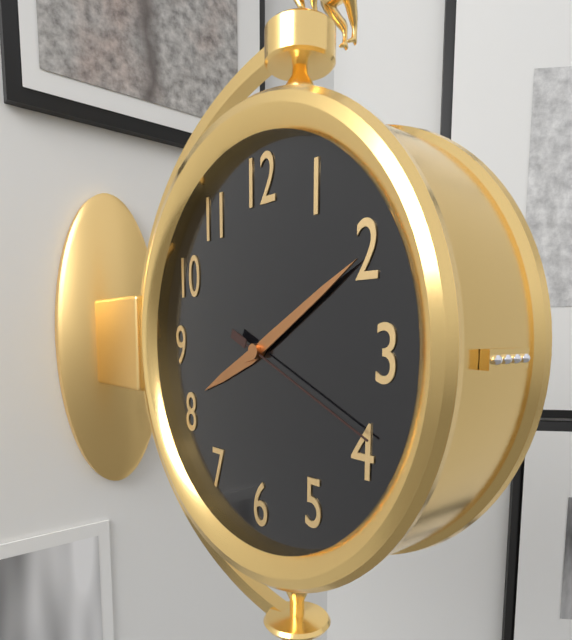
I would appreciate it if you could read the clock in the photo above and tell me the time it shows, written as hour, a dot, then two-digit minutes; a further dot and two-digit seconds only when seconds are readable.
8.10.19
